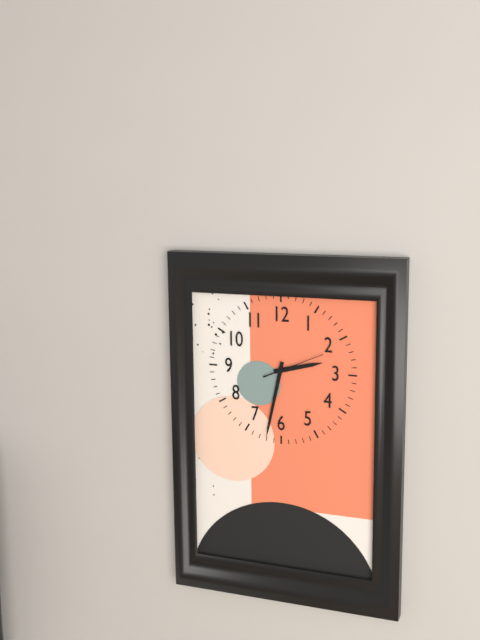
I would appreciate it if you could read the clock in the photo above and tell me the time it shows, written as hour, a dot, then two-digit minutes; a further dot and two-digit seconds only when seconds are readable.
2.32.11
